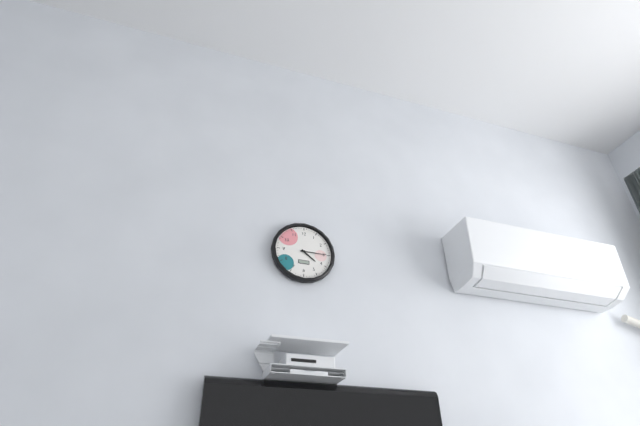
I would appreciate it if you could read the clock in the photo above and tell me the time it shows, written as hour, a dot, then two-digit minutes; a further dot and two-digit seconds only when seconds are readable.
4.15
